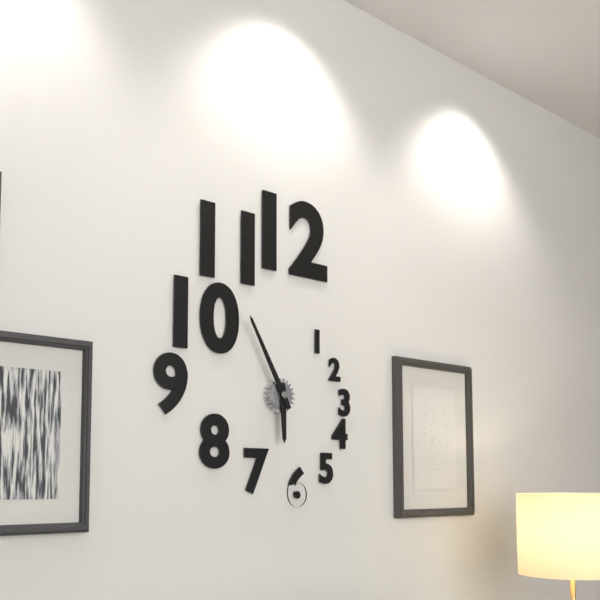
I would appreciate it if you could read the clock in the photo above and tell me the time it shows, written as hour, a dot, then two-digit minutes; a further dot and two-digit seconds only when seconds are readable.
5.55
